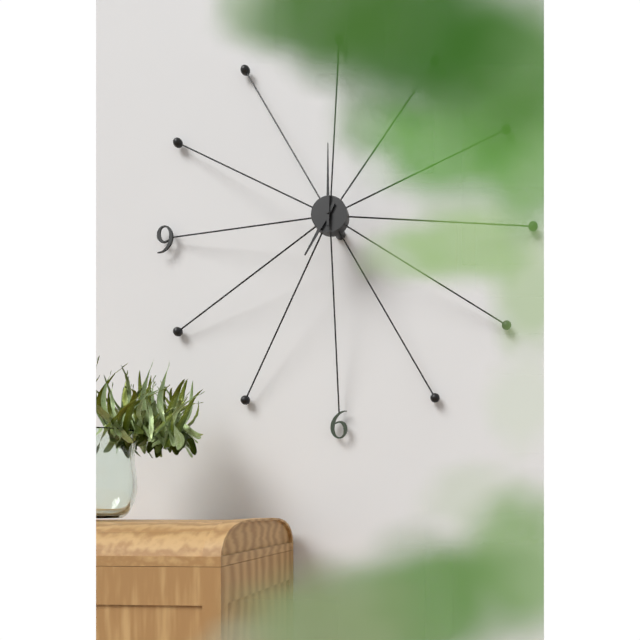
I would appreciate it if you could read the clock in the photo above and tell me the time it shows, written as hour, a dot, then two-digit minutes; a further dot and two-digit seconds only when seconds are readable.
7.00
